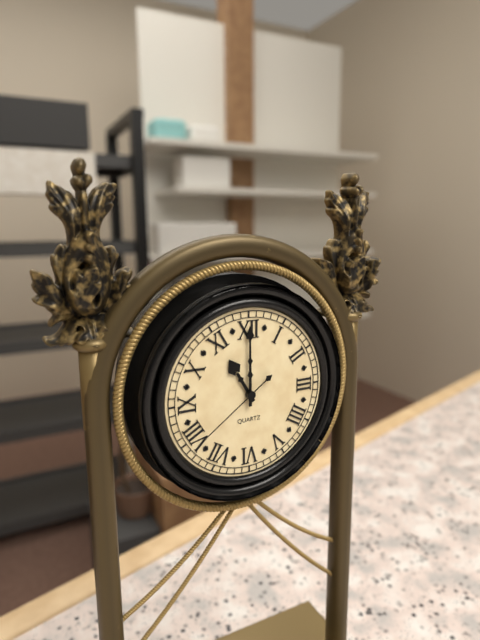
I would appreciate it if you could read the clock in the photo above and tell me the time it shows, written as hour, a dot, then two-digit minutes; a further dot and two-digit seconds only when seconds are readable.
11.00.39
